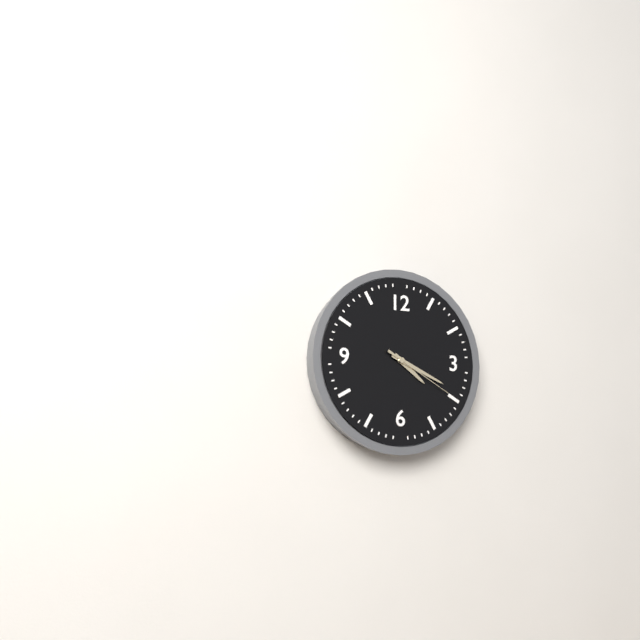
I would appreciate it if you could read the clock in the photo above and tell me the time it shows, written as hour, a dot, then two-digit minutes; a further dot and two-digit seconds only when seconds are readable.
4.19.20
